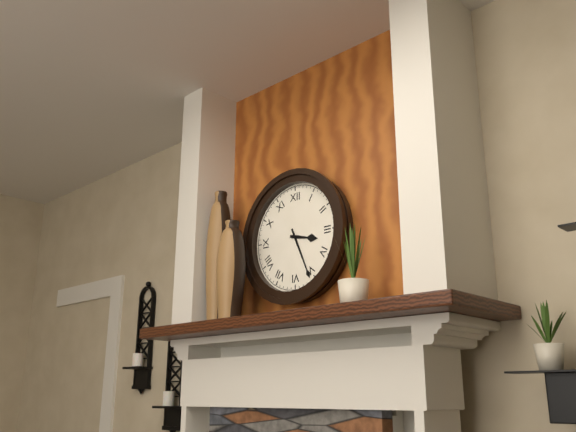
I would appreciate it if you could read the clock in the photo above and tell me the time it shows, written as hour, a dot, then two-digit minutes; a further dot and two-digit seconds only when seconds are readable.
3.26
